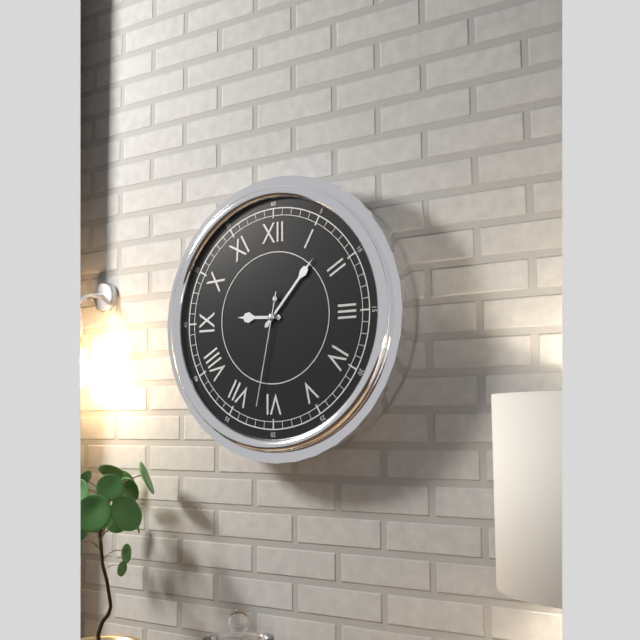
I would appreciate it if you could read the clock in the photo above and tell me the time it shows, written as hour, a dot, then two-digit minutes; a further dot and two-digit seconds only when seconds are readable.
9.07.32
